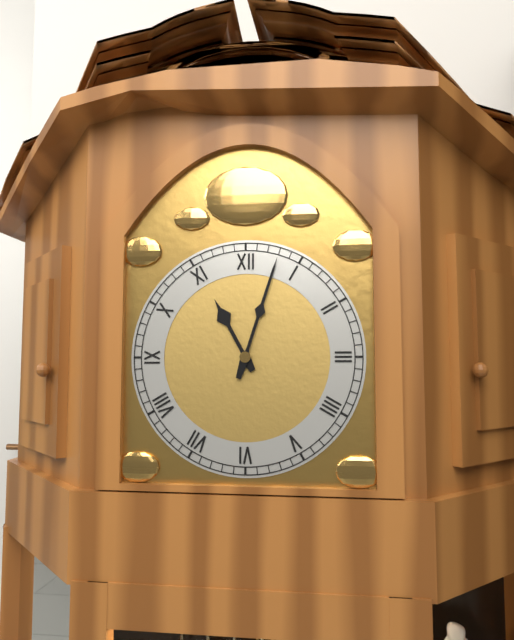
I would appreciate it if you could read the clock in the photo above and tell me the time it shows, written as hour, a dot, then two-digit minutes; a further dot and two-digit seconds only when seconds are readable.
11.03
